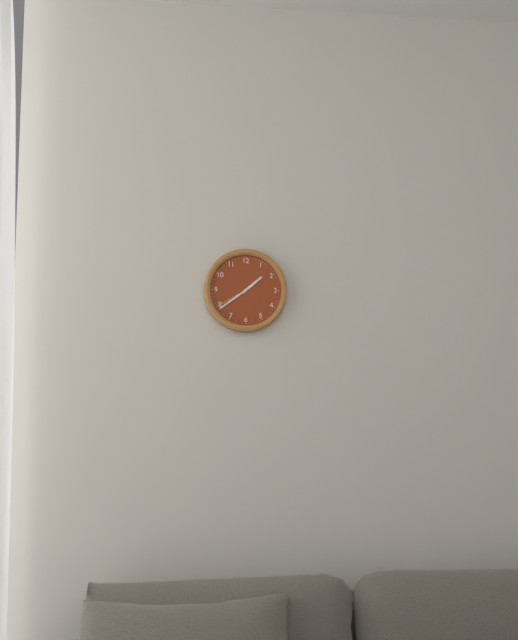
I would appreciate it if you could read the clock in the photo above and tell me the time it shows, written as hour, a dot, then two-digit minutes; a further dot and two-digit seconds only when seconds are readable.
1.39
